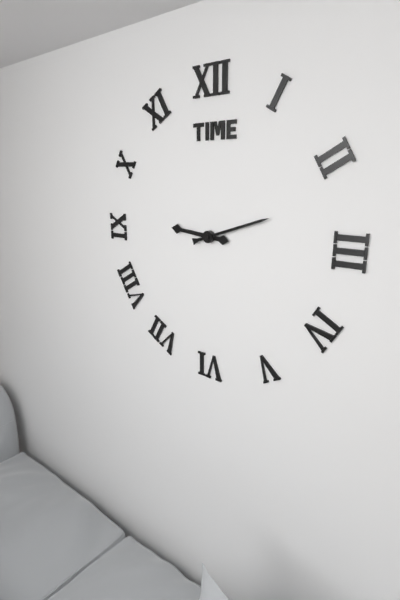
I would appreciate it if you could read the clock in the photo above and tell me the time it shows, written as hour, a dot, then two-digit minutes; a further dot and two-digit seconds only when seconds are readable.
9.12
